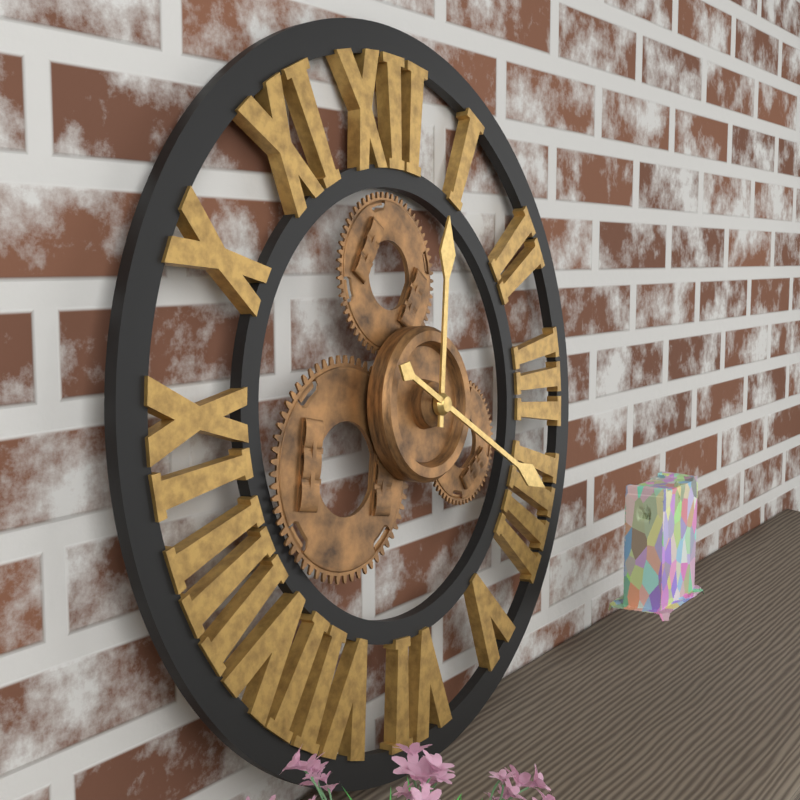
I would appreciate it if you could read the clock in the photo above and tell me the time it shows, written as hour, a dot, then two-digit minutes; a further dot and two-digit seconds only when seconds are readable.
12.20
